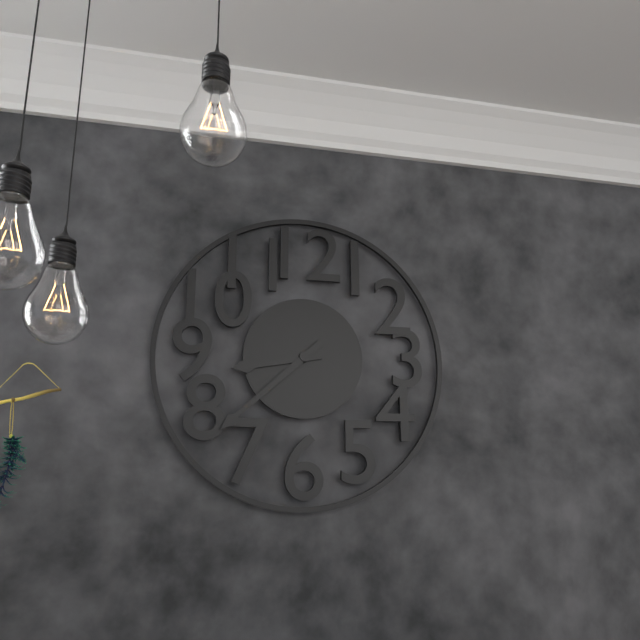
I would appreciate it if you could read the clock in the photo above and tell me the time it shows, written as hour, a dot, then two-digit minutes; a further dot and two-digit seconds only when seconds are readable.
8.38
